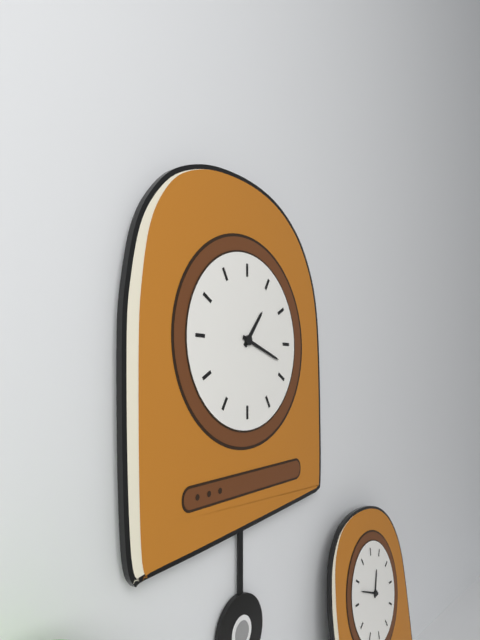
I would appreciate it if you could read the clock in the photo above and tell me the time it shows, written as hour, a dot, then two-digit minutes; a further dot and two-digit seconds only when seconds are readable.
1.18
